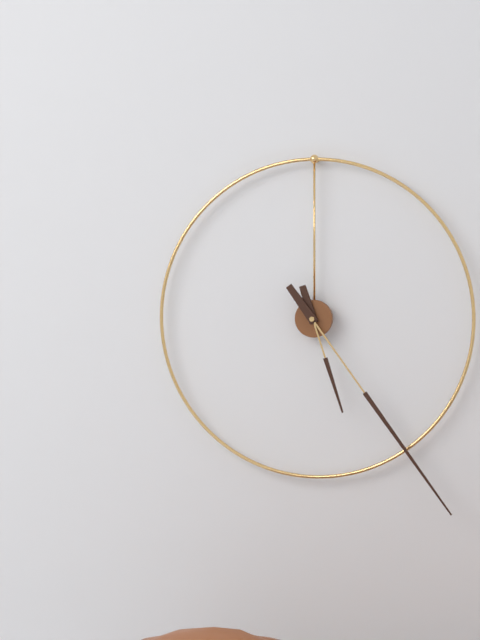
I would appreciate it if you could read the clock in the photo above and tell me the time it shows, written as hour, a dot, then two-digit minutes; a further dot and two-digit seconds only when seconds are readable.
5.24
